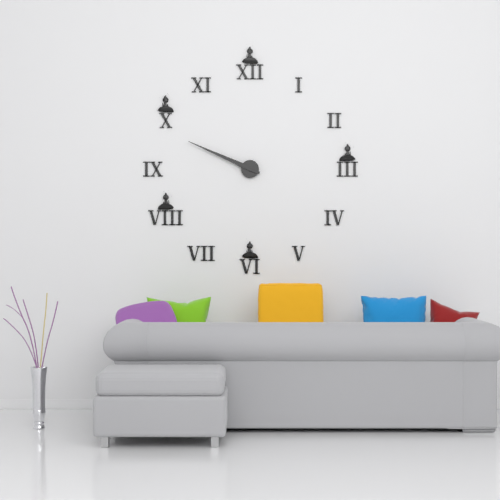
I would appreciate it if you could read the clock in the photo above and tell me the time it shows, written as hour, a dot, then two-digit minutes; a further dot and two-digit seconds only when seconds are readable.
9.49
